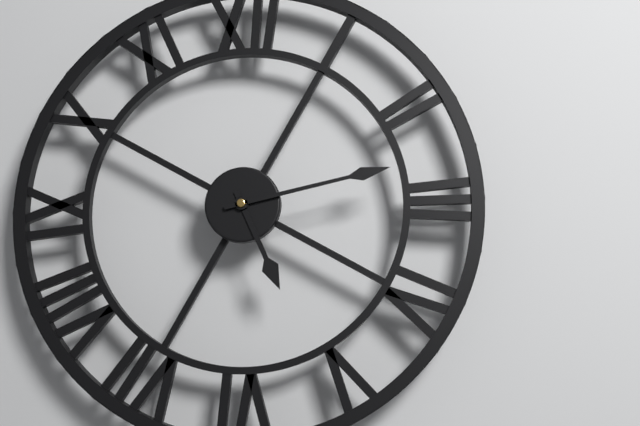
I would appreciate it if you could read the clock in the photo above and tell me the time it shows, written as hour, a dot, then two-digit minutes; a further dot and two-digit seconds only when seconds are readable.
5.13
